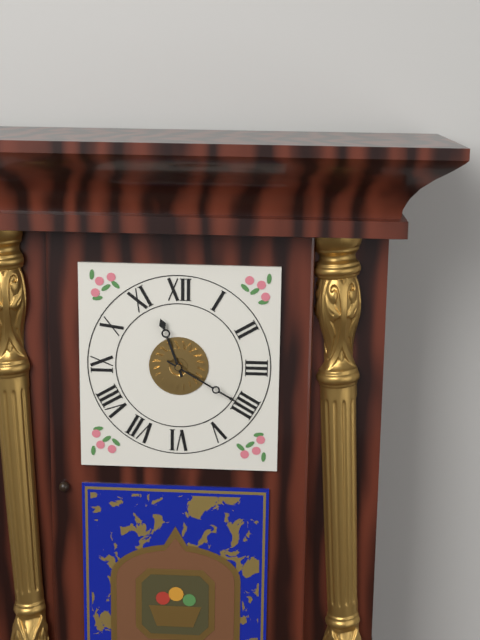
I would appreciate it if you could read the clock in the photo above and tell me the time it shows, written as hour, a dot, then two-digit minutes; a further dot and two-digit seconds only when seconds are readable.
11.20
